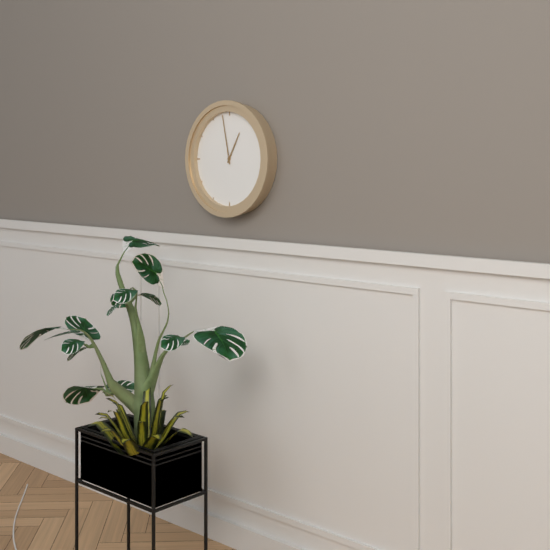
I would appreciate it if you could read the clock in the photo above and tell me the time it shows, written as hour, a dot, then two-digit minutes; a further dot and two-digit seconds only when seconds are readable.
12.58
